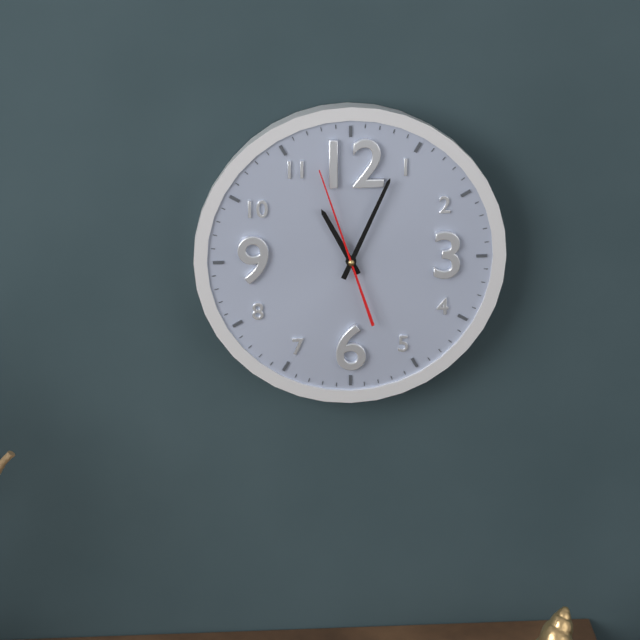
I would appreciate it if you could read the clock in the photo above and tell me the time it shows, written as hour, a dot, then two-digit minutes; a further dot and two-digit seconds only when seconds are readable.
11.04.57
